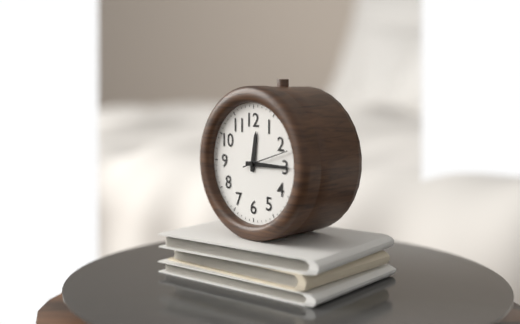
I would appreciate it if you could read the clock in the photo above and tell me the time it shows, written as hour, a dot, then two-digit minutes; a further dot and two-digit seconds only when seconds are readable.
12.15
